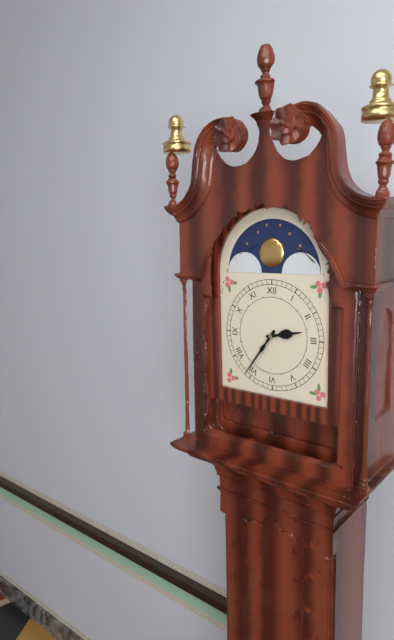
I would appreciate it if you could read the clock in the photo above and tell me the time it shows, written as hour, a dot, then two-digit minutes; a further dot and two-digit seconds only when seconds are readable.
2.36
